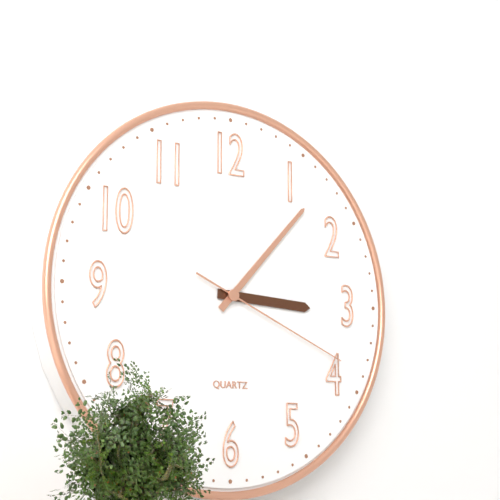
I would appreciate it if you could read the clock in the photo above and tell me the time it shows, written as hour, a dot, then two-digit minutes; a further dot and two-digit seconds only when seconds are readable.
3.07.19
